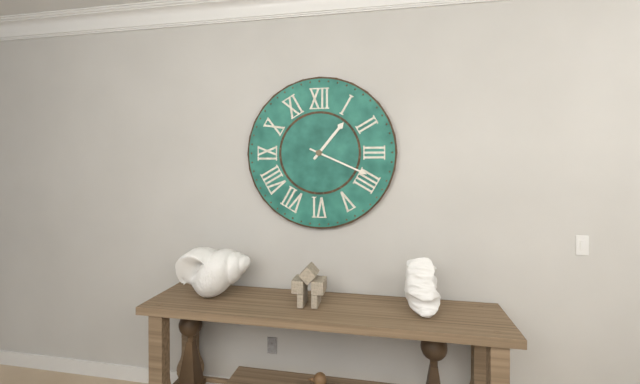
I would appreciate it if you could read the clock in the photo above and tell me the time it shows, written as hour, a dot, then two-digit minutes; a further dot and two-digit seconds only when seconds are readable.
1.19
